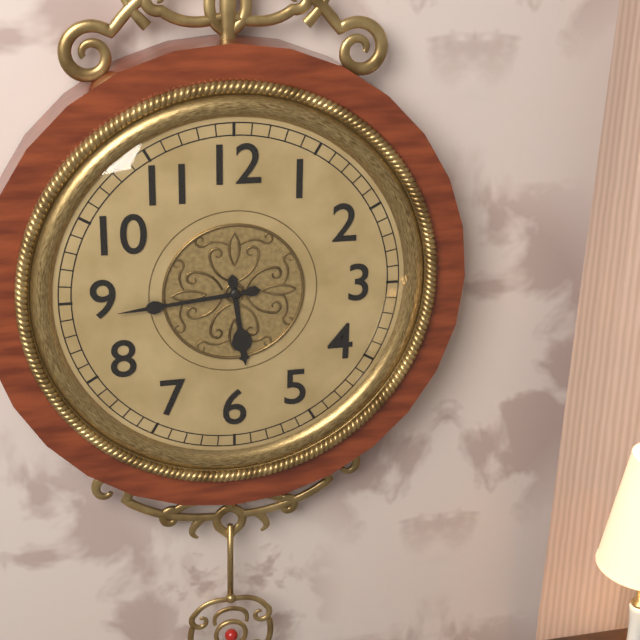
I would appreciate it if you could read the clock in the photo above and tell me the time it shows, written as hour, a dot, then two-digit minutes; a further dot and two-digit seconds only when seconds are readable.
5.44
